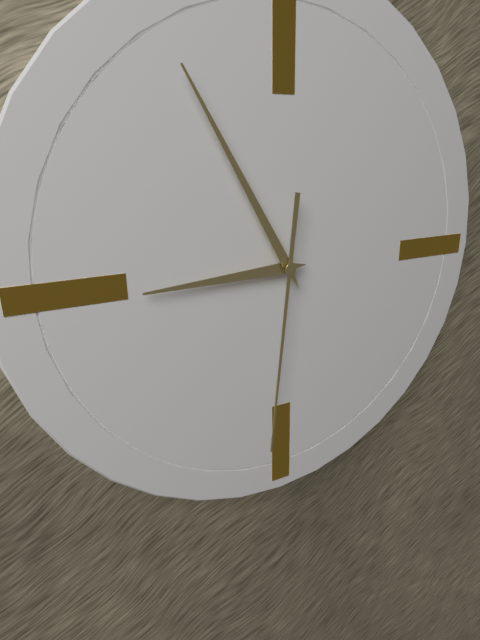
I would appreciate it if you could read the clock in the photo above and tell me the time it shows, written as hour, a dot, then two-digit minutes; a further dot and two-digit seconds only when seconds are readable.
8.55.31
